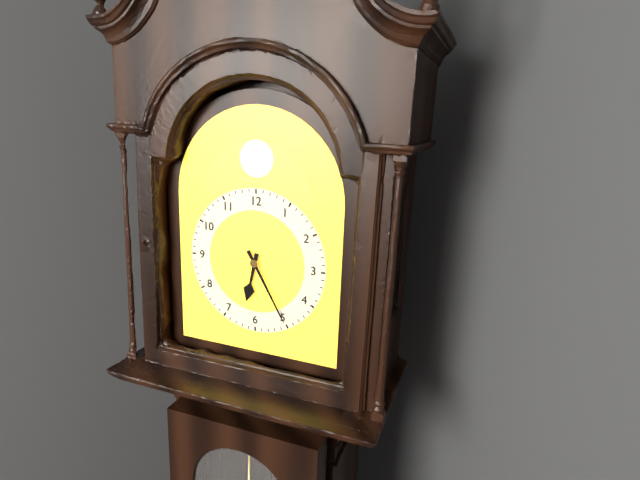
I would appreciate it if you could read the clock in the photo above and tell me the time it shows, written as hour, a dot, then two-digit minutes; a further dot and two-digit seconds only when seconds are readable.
6.25
